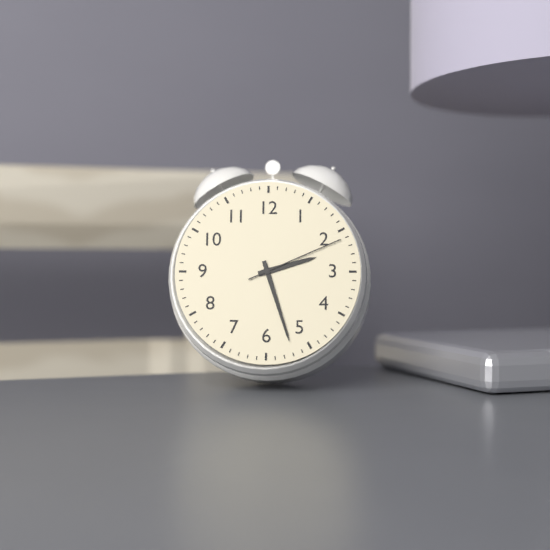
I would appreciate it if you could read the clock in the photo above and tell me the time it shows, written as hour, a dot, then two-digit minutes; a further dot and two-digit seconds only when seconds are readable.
2.27.11
